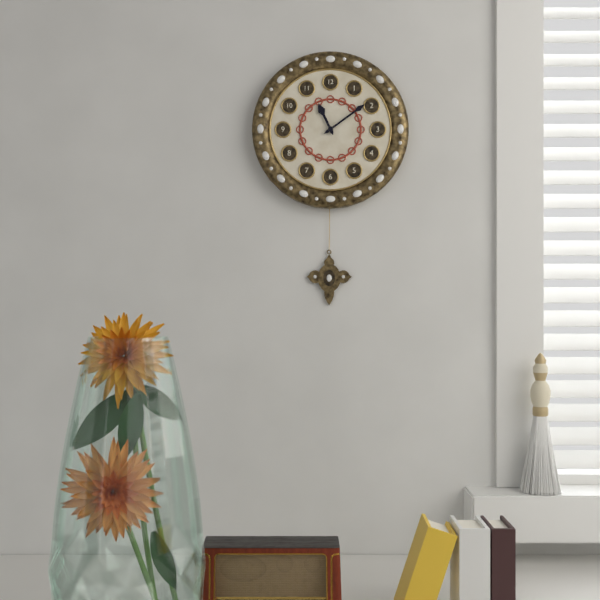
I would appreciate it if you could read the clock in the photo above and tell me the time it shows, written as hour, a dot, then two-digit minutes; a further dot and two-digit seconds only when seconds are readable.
11.09
